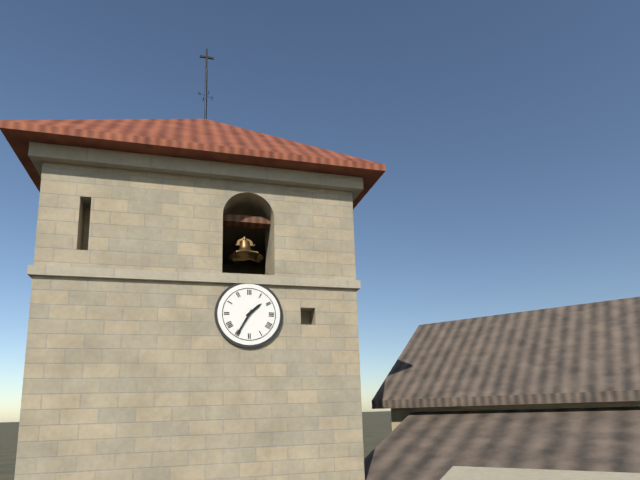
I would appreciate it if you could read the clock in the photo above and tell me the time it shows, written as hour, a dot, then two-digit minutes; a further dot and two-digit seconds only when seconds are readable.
1.35
